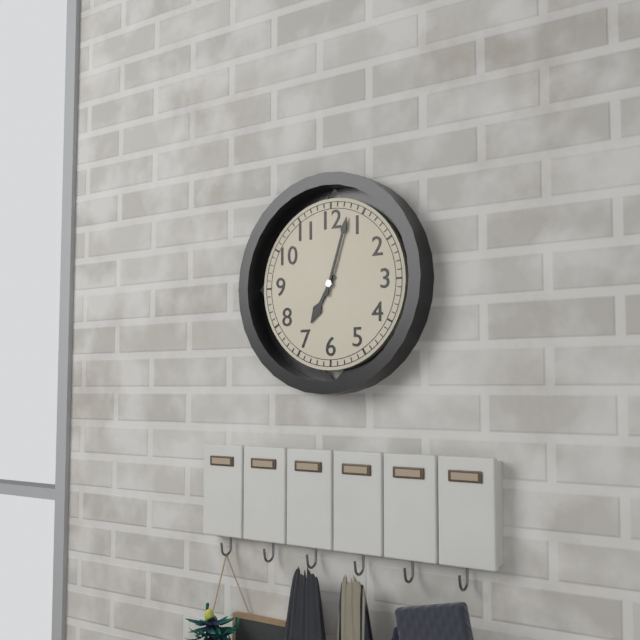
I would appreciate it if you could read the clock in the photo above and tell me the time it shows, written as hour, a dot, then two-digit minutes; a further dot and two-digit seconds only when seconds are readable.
7.03
